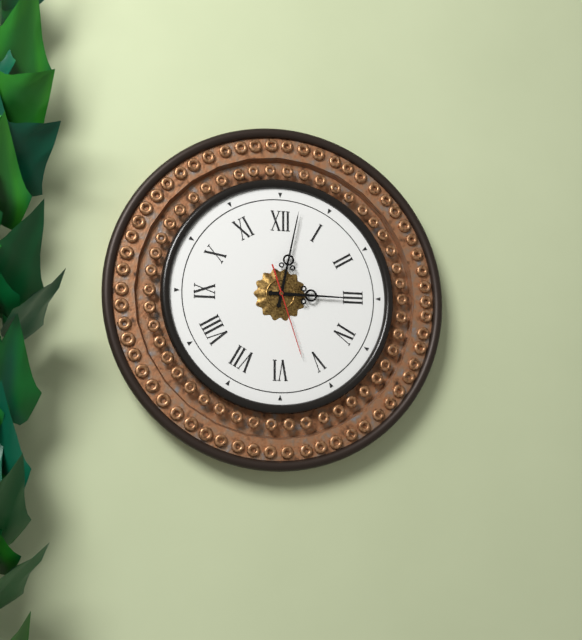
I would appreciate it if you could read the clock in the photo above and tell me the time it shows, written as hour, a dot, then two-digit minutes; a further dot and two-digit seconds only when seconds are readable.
3.02.27
